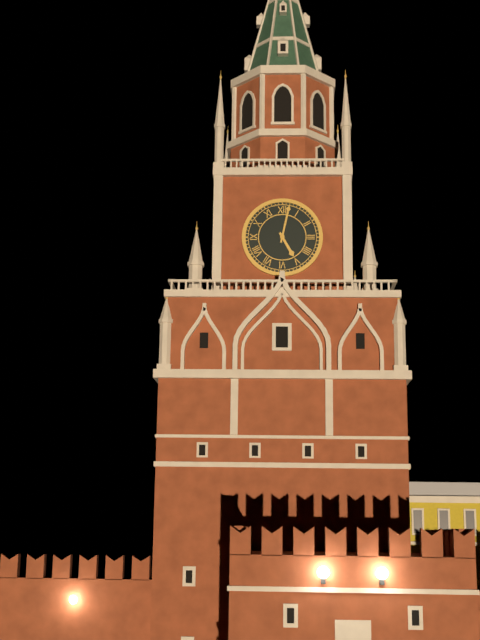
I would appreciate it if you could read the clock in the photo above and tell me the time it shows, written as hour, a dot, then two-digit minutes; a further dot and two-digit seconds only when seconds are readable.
5.02
